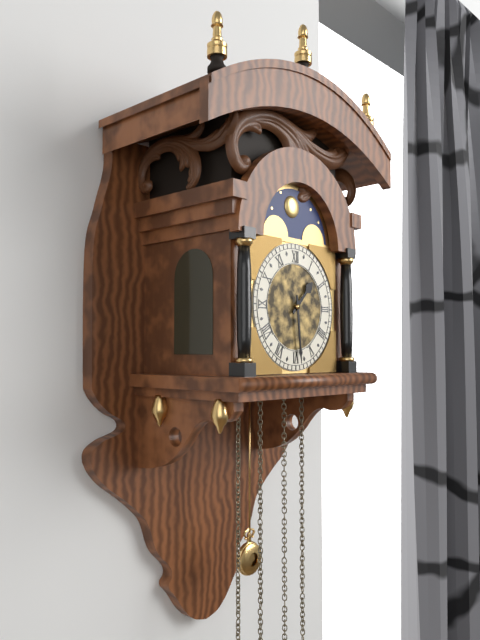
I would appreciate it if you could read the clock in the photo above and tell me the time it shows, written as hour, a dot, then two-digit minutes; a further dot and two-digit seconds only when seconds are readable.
1.29
